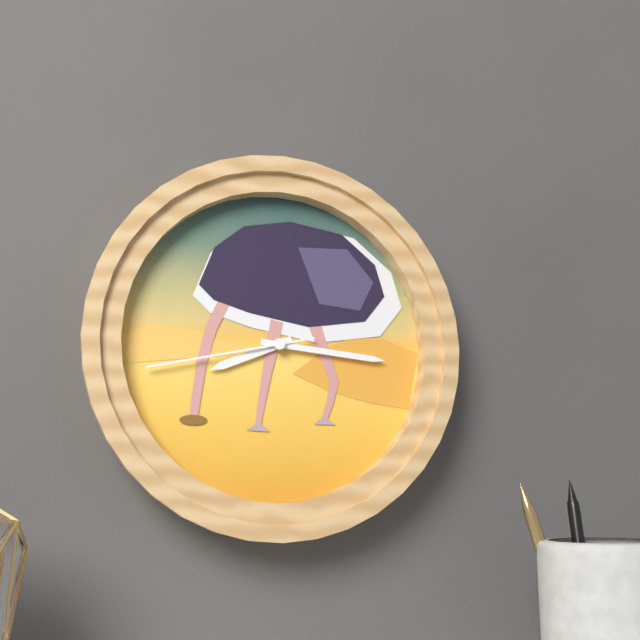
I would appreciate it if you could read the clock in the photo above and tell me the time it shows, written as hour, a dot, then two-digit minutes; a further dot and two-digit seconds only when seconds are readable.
8.16.43
